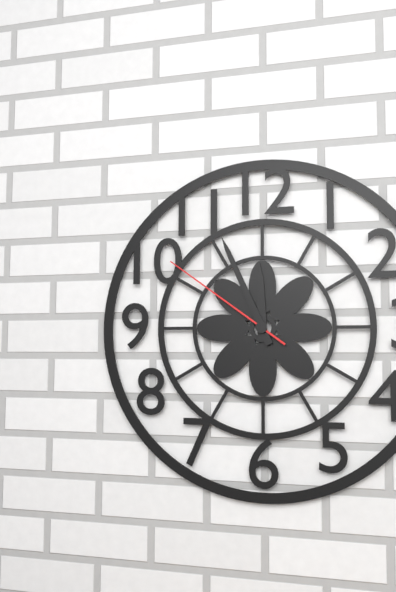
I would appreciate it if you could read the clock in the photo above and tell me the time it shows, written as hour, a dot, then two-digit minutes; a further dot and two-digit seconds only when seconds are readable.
11.56.51
